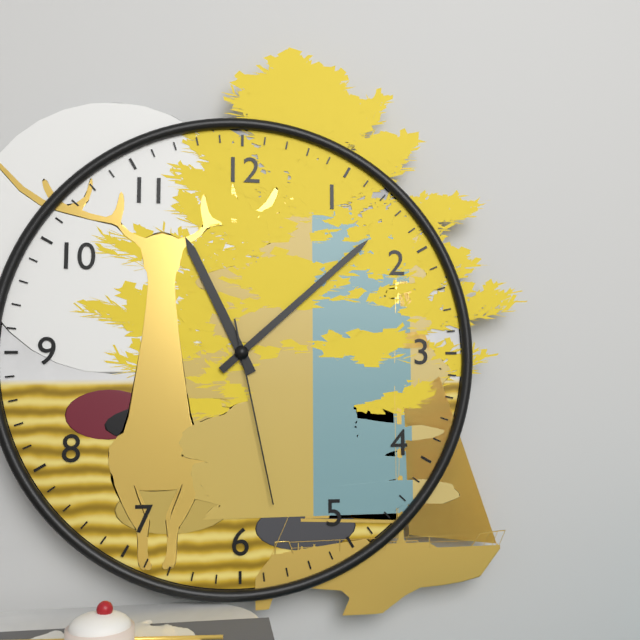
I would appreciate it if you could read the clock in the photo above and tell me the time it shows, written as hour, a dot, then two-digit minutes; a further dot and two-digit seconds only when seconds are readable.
11.08.28
